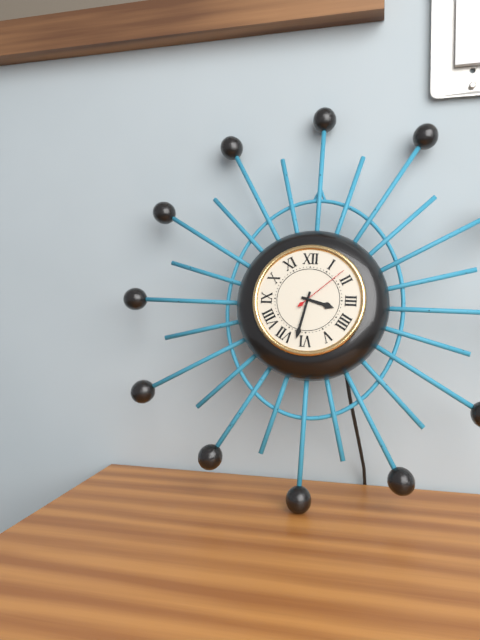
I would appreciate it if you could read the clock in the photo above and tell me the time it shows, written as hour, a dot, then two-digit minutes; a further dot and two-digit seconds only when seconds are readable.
3.32.08
